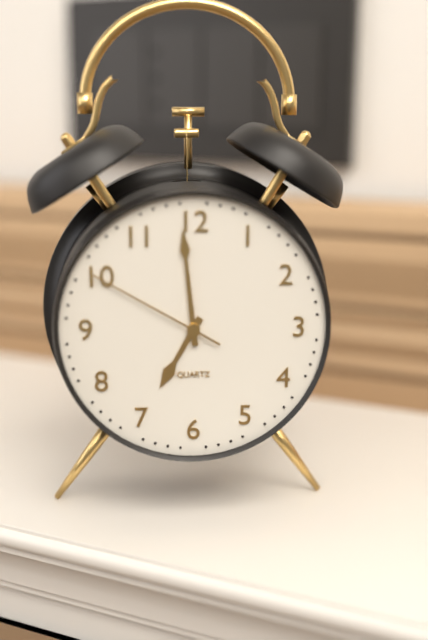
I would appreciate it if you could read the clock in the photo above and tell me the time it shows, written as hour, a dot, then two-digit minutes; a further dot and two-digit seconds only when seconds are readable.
6.59.50
